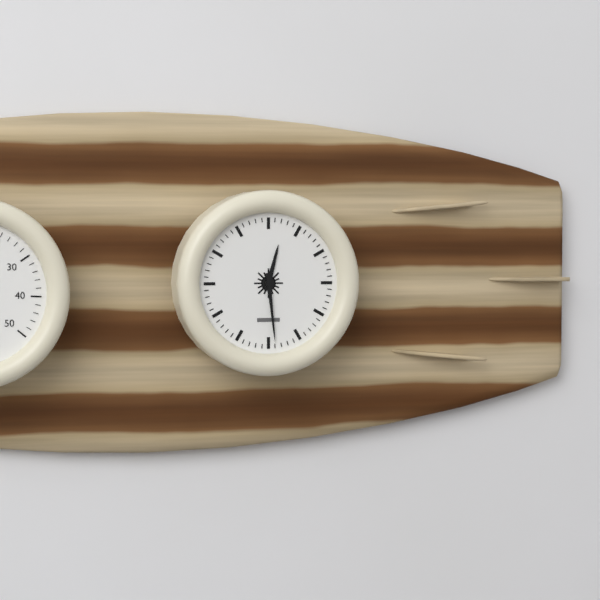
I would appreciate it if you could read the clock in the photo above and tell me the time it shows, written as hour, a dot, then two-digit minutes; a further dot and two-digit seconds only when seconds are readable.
12.29
